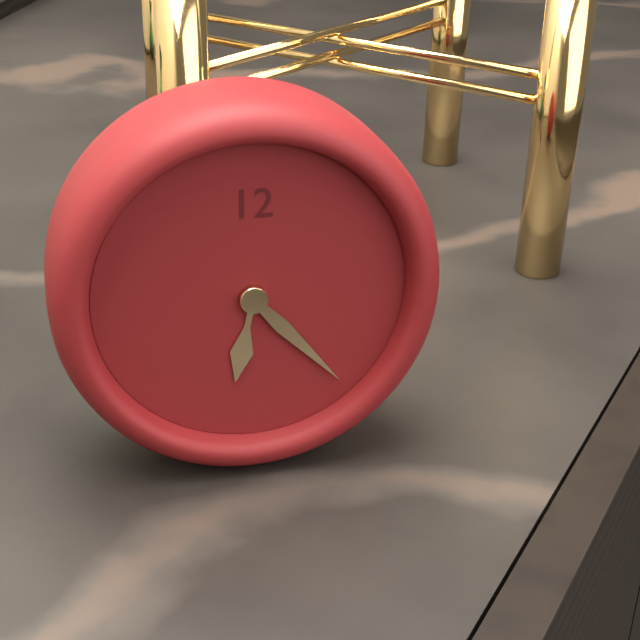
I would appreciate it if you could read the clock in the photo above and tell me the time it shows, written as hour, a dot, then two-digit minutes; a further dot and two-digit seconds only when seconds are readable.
6.23
